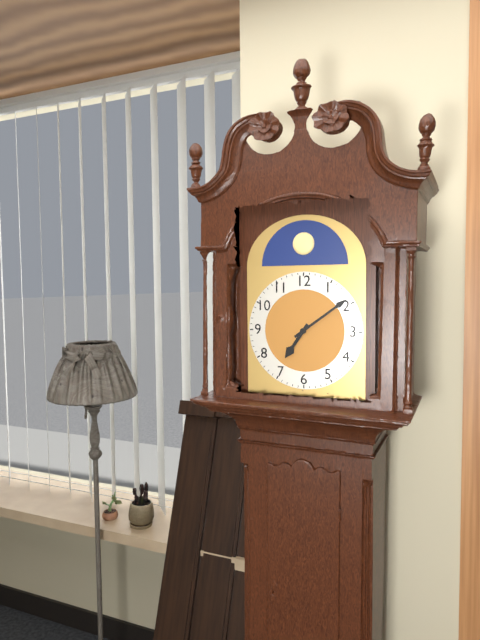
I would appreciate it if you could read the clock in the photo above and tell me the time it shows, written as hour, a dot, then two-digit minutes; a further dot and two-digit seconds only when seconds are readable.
7.09
